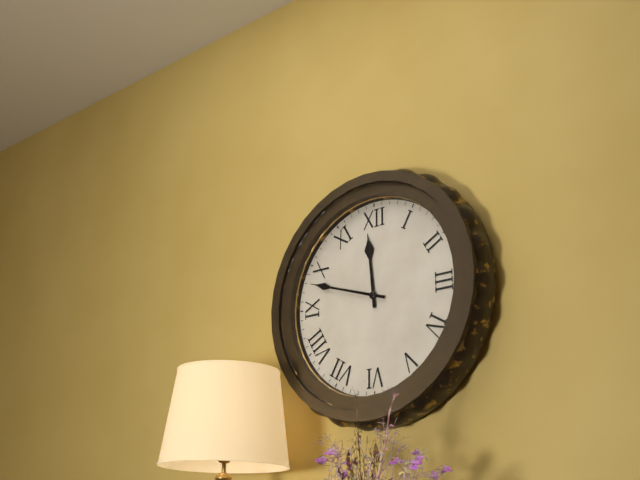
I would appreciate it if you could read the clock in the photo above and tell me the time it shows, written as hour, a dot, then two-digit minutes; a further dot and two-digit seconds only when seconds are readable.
11.48
